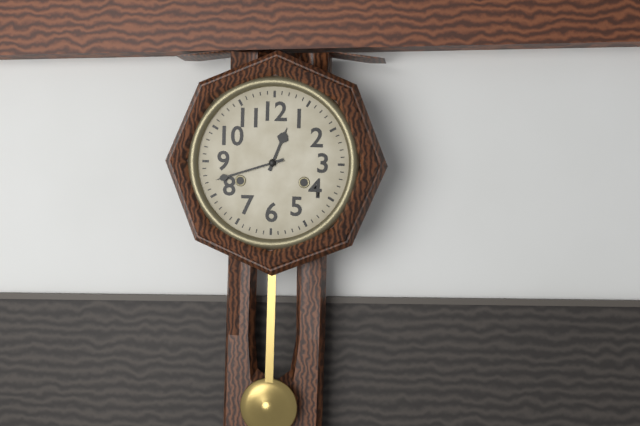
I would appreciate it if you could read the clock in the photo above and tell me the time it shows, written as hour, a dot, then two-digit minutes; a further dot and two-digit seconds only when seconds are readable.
12.42
